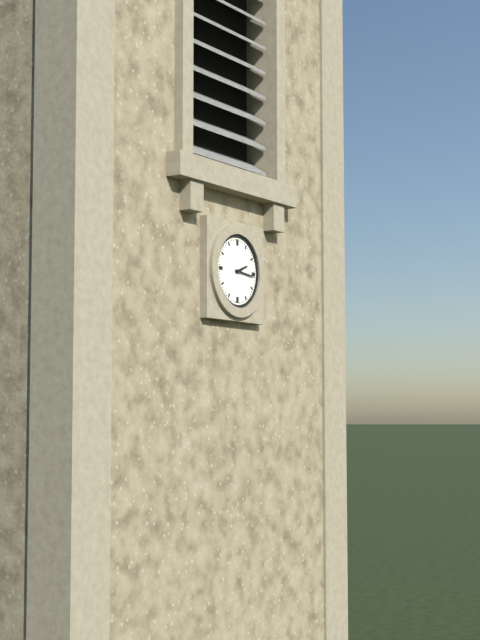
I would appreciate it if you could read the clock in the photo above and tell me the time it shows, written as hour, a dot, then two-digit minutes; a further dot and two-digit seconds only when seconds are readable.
2.16
